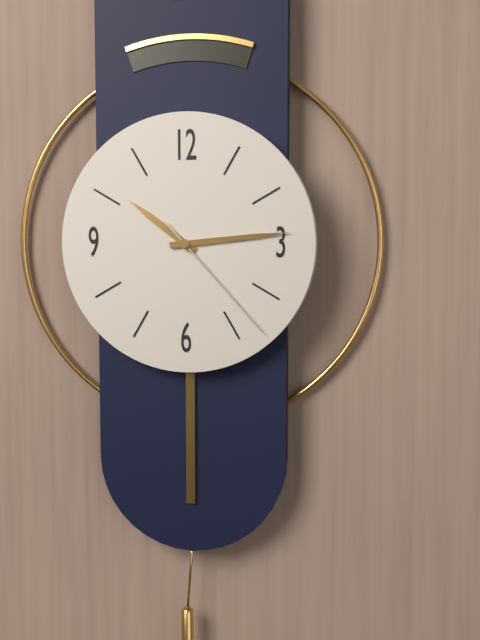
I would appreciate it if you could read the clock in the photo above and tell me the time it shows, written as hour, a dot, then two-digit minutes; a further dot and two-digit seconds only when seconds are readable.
10.14.23
